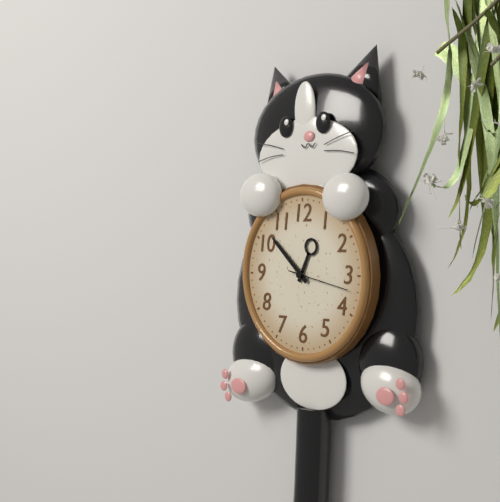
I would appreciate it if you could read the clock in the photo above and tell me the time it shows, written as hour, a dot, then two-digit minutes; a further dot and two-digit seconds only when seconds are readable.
12.52.17
